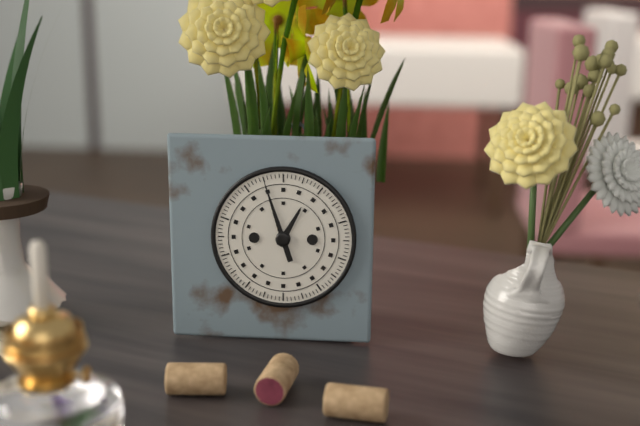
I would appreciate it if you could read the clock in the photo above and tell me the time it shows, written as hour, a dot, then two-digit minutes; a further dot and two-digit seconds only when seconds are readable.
12.57
